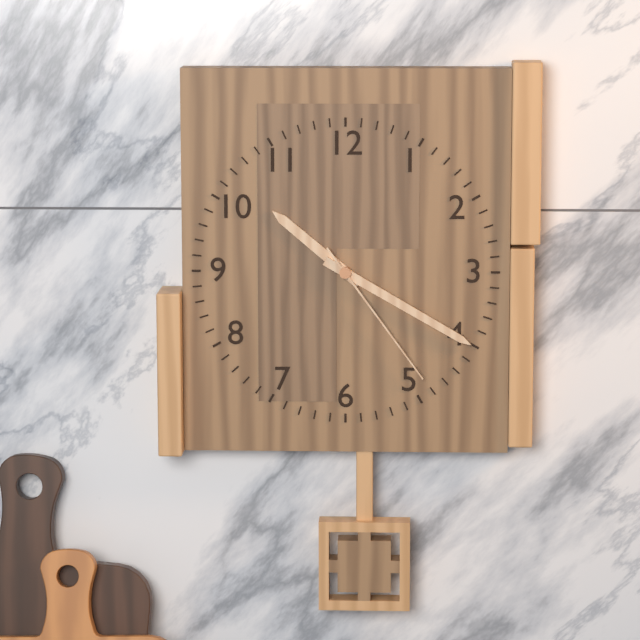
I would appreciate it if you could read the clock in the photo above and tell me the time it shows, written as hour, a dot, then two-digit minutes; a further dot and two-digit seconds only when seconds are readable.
10.20.24
